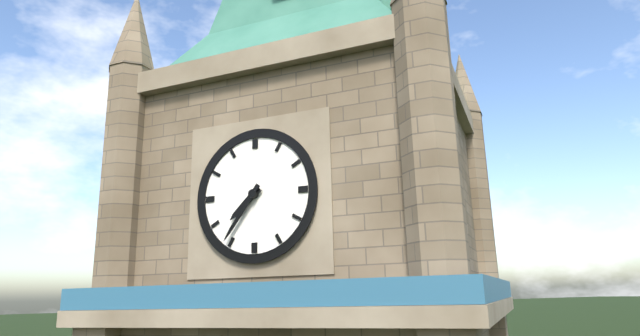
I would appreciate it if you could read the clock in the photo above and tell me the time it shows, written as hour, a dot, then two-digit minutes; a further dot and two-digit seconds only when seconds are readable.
7.36
